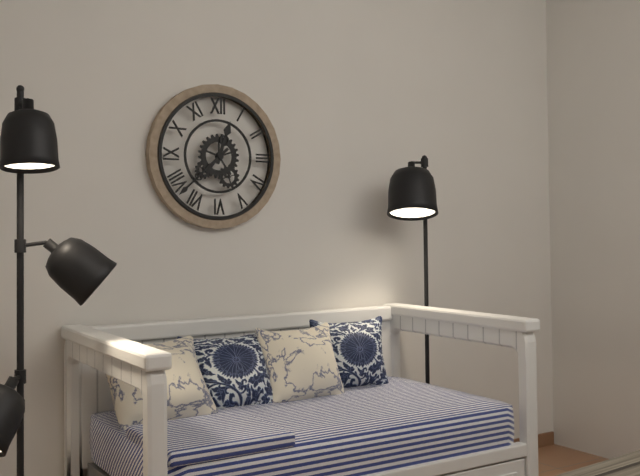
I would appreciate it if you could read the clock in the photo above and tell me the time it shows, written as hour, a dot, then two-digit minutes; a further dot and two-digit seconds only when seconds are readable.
12.38
